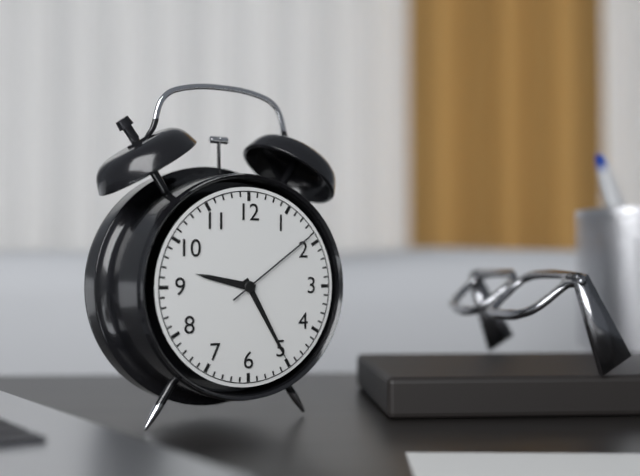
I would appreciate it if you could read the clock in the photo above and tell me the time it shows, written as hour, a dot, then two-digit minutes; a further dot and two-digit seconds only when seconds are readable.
9.25.09
